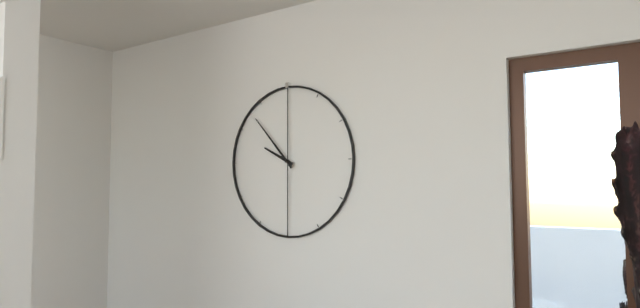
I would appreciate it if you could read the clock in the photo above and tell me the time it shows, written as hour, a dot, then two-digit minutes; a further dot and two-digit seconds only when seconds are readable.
9.53
